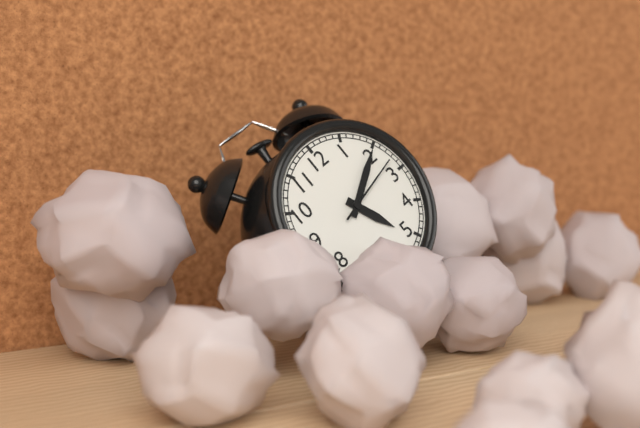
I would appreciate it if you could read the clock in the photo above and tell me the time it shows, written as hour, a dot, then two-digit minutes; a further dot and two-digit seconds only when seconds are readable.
5.10.13
